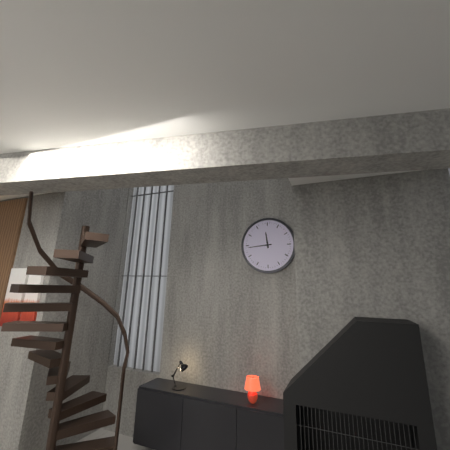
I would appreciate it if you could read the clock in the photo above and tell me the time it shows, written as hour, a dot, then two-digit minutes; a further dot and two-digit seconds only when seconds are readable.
11.44
